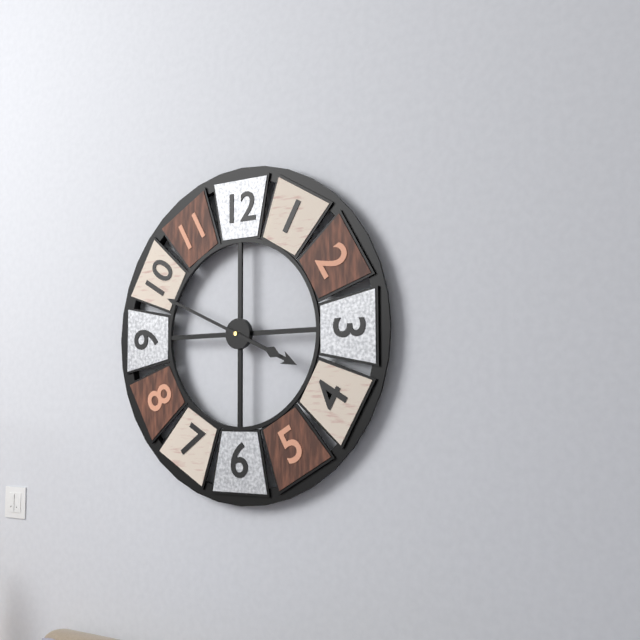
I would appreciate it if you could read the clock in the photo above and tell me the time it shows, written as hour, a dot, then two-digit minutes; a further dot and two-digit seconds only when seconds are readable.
3.49
